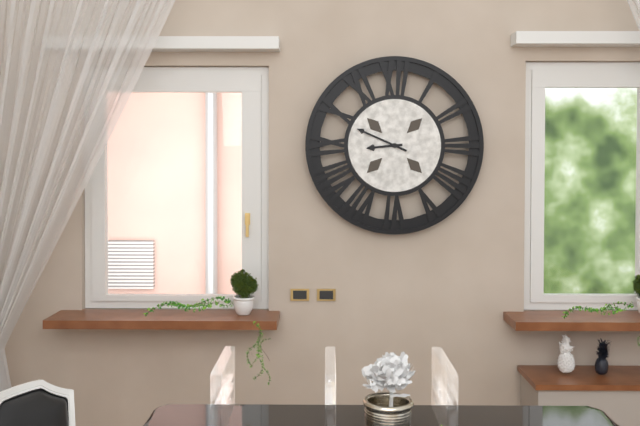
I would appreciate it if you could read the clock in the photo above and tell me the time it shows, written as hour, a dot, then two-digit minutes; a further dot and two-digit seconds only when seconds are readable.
8.49
